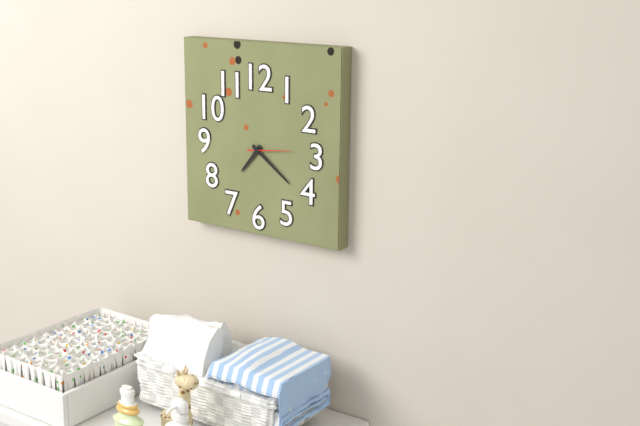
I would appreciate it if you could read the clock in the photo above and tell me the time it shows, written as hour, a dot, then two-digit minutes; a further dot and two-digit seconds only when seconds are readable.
7.21
